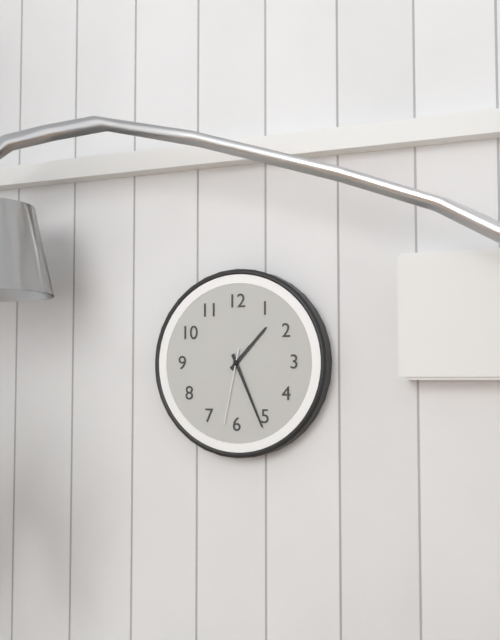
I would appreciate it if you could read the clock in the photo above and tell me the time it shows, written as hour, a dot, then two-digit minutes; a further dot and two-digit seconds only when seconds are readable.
1.26.32
